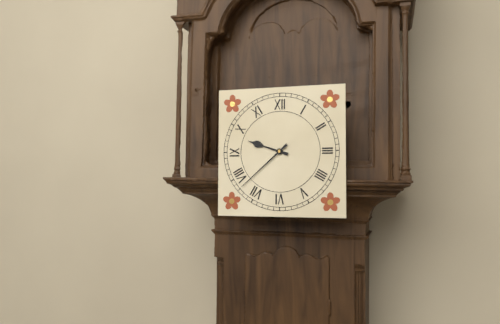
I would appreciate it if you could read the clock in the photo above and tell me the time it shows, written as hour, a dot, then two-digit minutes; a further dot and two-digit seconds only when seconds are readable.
9.38
